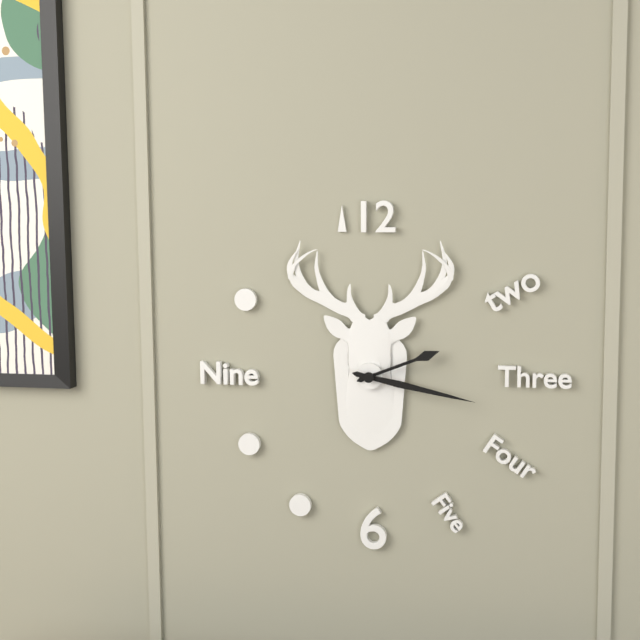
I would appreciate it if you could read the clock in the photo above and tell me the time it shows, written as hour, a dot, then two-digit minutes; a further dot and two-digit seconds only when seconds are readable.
2.17
